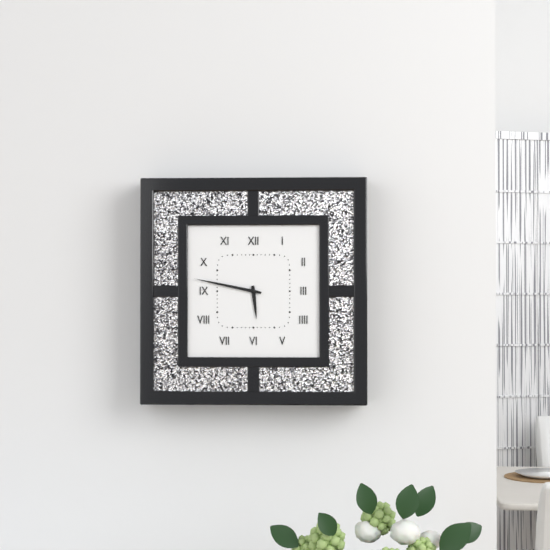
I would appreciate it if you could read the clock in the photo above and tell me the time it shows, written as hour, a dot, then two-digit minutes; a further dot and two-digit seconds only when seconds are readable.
5.47
